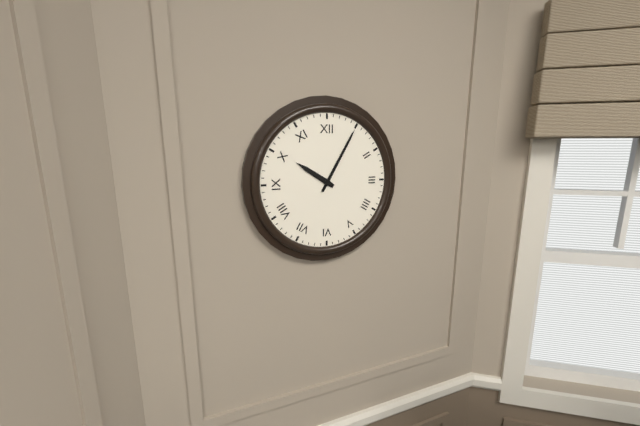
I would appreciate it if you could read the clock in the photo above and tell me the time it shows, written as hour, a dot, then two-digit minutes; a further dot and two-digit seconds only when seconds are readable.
10.05
